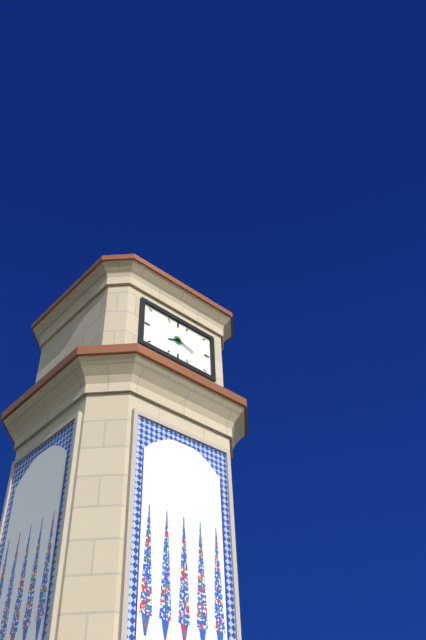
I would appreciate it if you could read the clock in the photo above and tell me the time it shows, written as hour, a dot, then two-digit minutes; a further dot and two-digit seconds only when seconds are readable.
8.18
